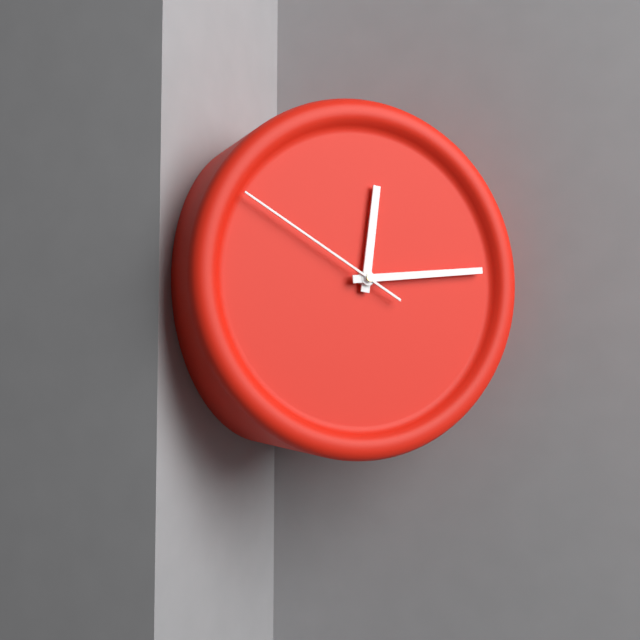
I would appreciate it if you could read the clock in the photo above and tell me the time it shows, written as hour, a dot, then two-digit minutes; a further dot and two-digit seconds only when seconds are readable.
12.14.50
